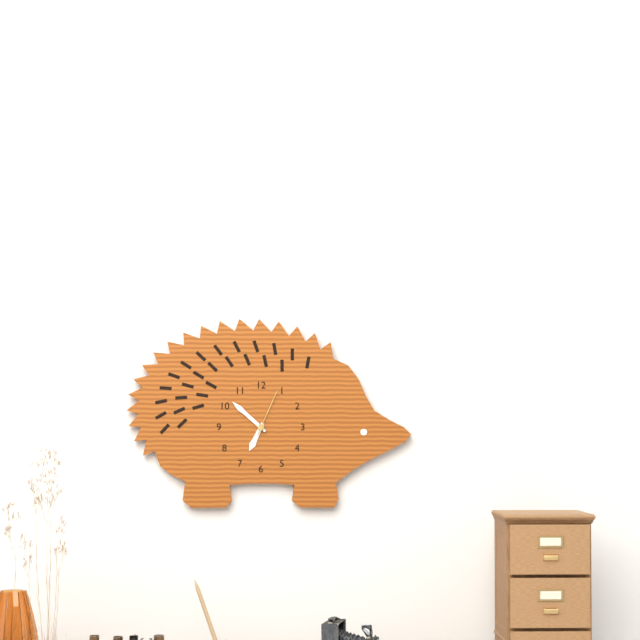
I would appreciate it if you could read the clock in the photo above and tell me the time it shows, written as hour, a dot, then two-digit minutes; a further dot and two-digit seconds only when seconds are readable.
6.52.04
